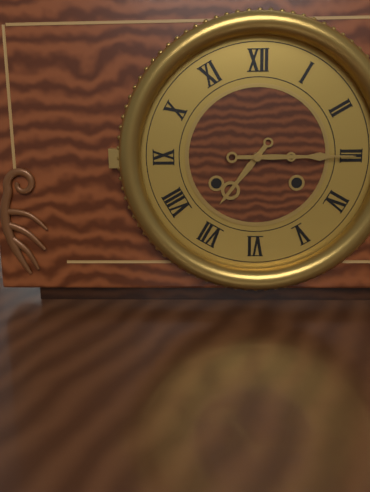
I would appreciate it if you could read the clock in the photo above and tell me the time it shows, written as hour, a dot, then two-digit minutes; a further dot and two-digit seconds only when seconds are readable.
7.15
